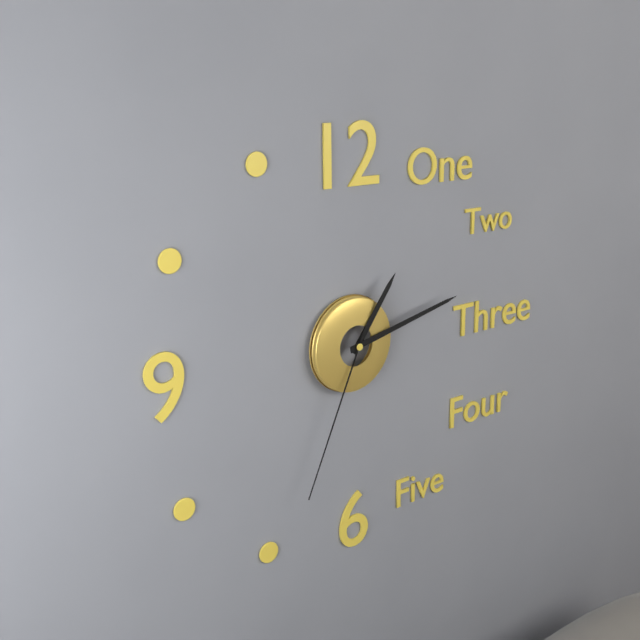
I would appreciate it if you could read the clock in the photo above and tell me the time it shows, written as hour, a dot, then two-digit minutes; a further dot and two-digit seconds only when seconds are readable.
1.13.34
